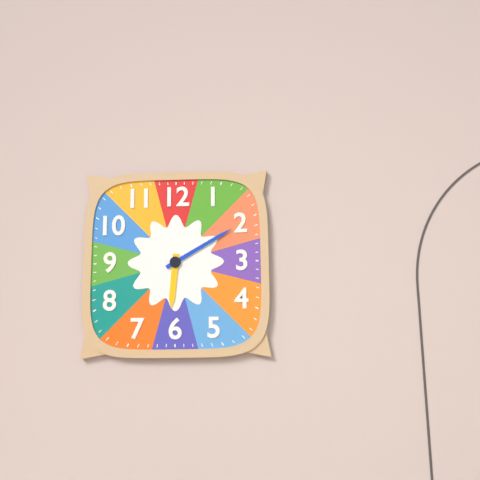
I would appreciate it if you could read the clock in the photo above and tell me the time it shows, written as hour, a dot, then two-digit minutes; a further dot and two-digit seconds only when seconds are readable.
6.10
